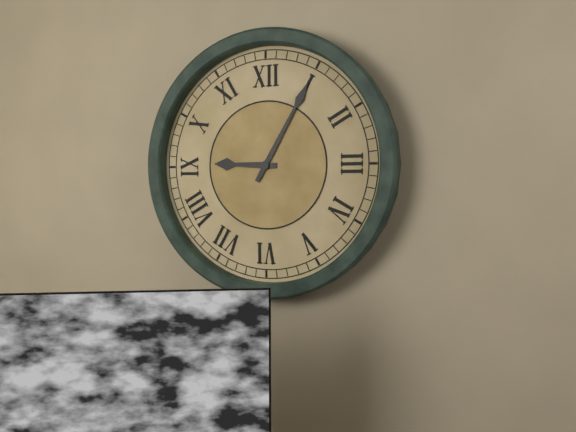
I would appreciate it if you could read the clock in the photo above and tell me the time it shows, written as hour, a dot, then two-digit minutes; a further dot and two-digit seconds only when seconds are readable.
9.05
